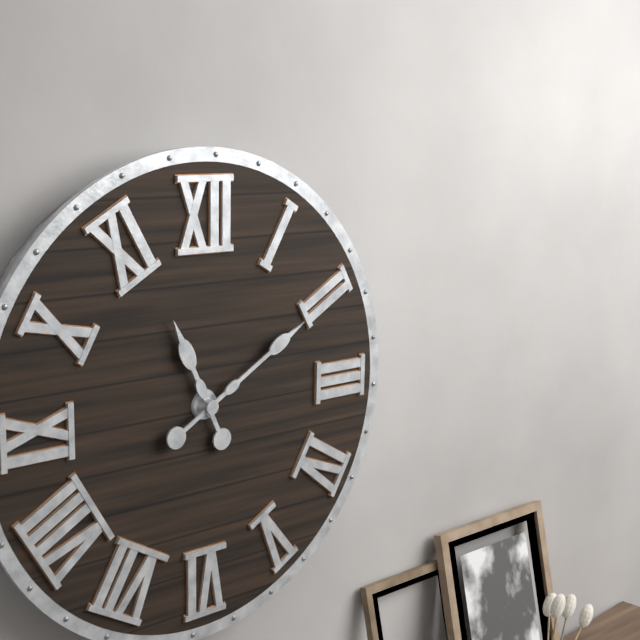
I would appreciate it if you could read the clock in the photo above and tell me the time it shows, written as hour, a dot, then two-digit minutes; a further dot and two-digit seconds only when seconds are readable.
11.10
